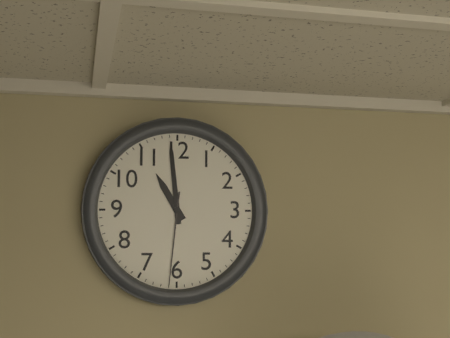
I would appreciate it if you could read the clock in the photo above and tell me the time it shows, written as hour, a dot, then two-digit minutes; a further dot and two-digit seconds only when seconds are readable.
10.59.31
